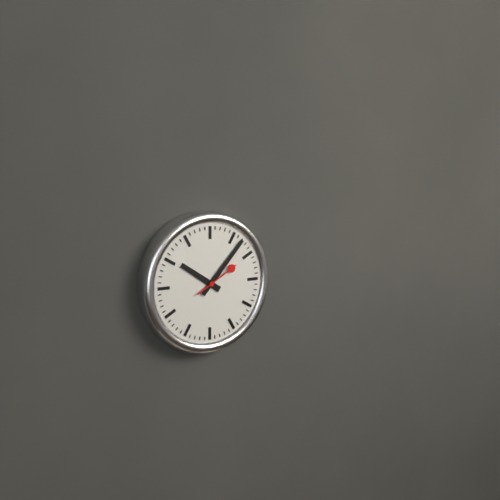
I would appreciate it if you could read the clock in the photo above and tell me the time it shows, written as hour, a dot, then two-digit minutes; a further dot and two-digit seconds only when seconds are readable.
10.07
